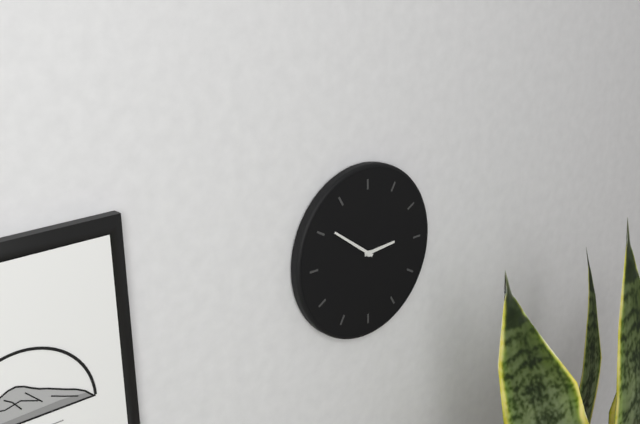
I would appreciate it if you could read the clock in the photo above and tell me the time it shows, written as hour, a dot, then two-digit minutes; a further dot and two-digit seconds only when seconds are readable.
2.51
